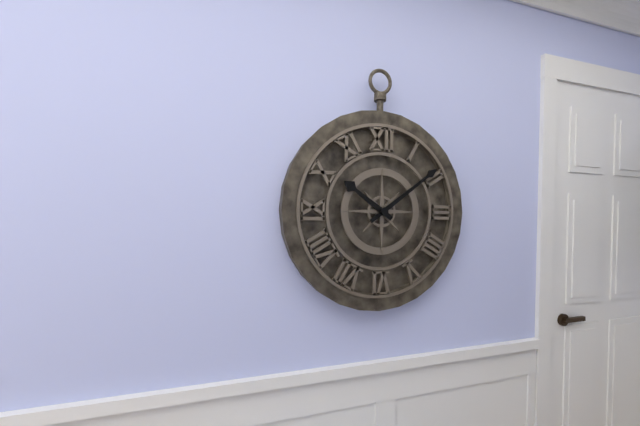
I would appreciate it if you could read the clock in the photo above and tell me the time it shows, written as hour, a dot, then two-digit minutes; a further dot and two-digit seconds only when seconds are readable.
10.09
